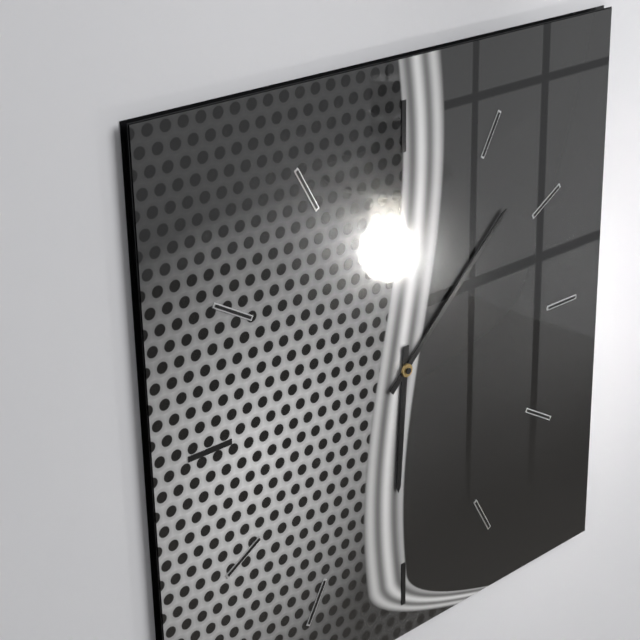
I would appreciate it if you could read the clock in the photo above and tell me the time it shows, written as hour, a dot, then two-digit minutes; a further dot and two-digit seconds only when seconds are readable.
6.08
